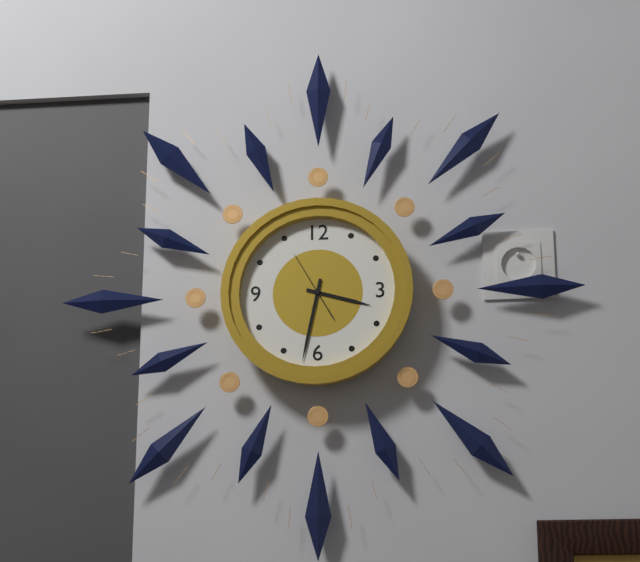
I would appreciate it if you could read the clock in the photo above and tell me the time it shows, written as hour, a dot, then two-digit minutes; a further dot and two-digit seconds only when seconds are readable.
3.32.55
